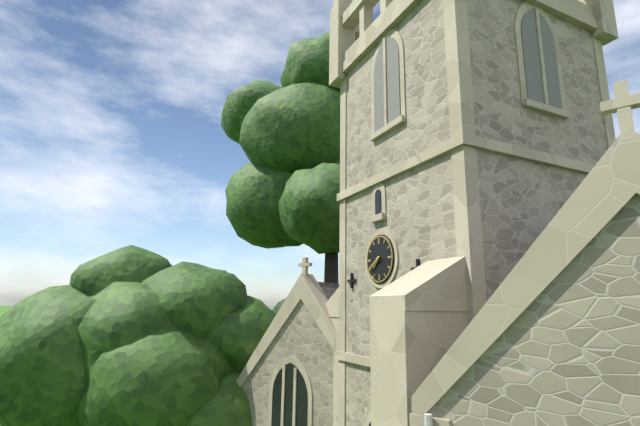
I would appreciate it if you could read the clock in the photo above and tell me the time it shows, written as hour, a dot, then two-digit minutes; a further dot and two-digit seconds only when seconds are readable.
7.40
